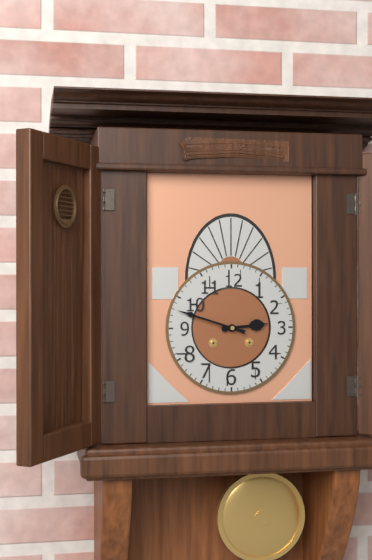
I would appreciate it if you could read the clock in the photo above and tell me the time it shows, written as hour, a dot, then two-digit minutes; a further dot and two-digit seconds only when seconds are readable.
2.48
